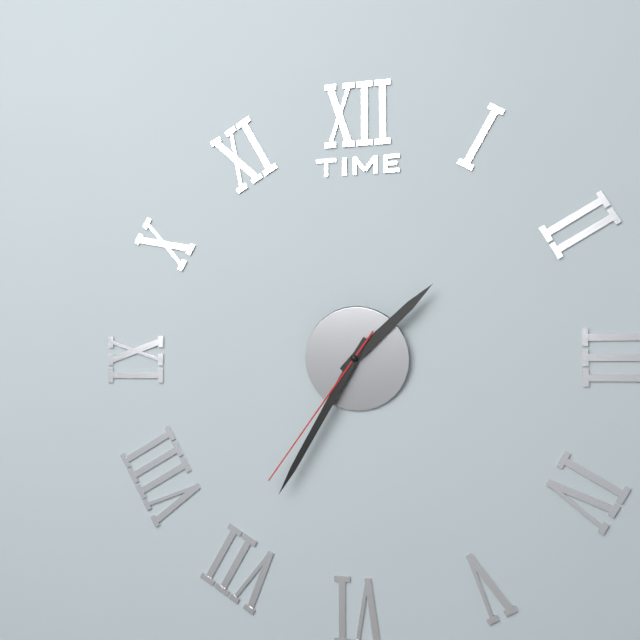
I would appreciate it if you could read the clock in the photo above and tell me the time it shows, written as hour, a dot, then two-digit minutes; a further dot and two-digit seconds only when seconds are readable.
1.35.36
